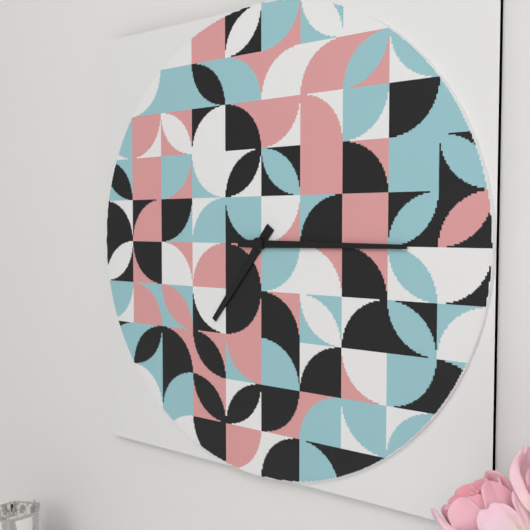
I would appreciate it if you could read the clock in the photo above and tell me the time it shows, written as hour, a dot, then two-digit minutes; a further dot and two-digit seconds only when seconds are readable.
7.15
